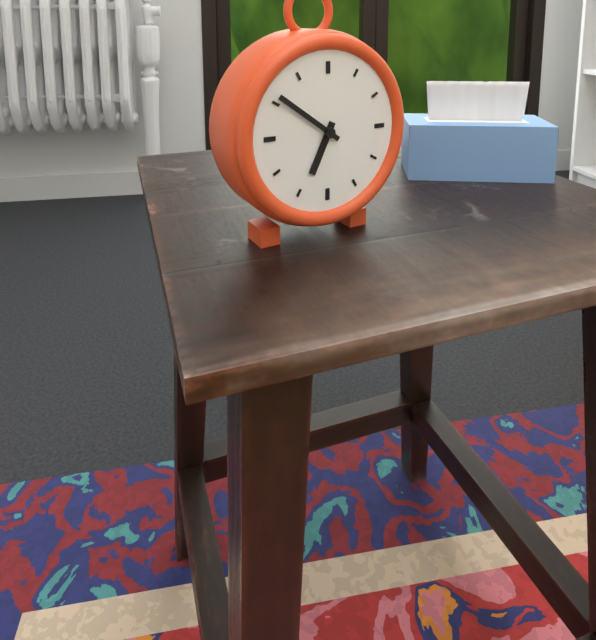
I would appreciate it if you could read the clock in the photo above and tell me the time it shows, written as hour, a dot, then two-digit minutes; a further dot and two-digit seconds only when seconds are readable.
6.51
